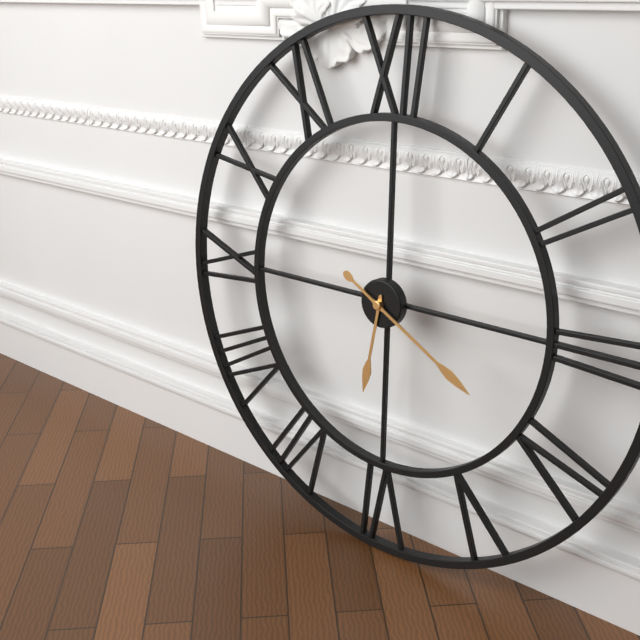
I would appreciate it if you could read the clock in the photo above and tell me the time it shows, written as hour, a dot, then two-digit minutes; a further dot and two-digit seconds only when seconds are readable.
6.20
